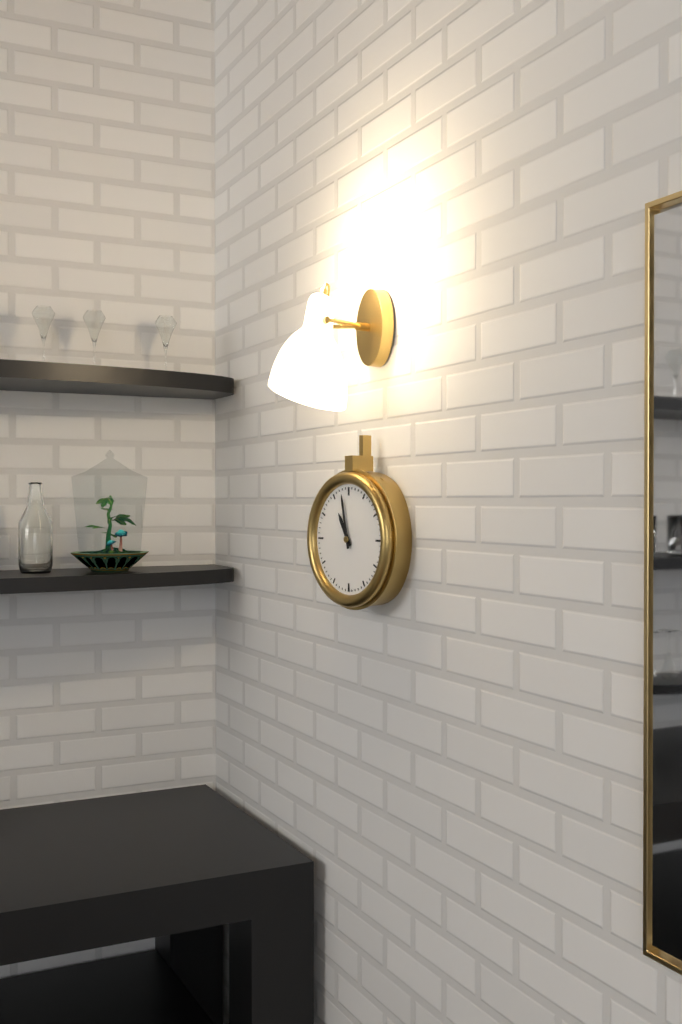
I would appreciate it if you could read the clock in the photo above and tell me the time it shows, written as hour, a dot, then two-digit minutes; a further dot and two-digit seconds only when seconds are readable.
10.58
